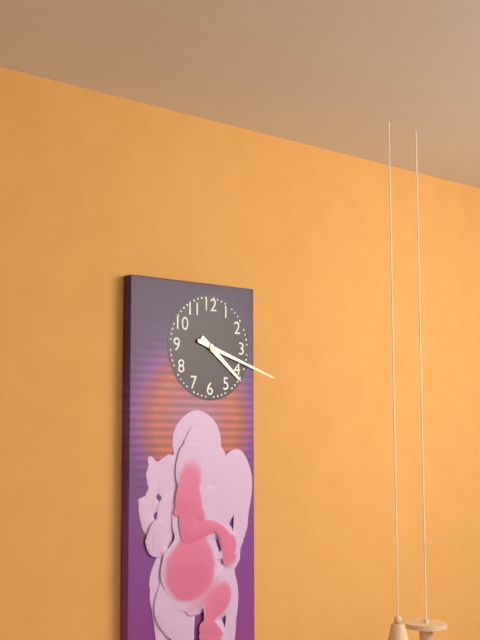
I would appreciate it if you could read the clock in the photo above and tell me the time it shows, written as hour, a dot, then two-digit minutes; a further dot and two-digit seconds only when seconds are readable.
4.18
